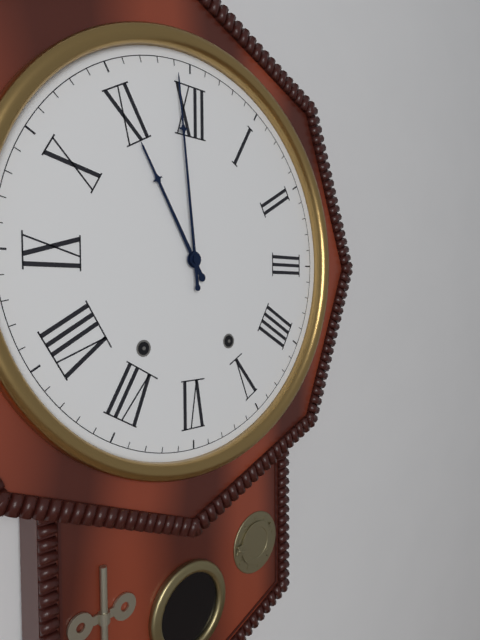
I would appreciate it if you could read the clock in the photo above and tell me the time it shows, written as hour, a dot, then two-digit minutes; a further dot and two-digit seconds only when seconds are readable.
10.59
